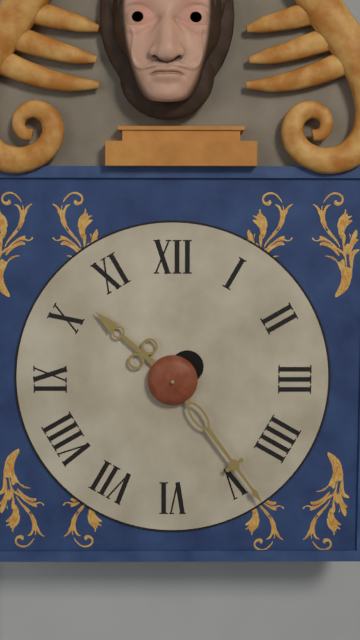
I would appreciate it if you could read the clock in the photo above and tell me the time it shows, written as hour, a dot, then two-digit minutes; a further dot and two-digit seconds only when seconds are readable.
10.24
